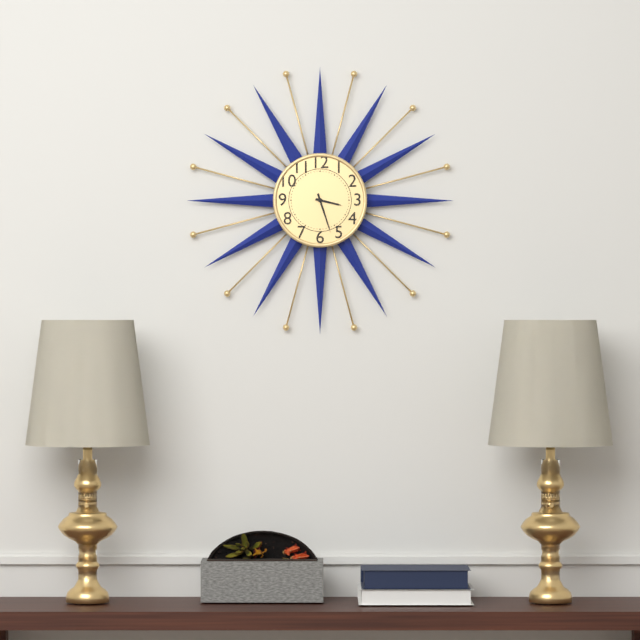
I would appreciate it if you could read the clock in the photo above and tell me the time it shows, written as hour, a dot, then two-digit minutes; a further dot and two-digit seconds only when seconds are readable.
3.27
